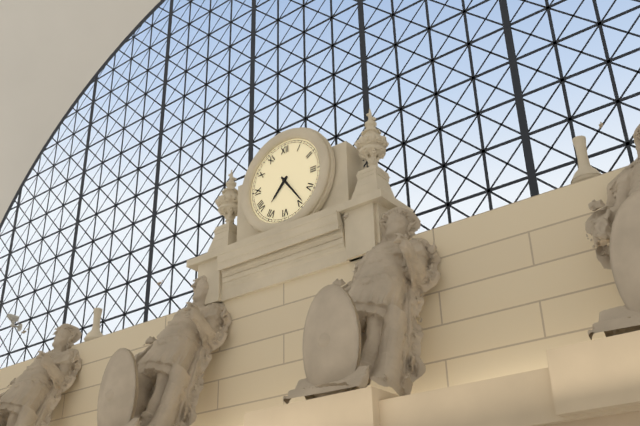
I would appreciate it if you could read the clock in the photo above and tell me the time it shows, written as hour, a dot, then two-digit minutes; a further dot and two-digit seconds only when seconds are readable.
7.24
